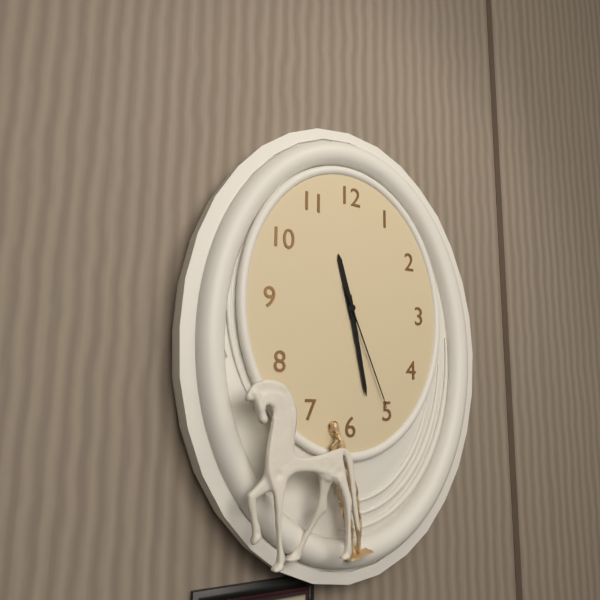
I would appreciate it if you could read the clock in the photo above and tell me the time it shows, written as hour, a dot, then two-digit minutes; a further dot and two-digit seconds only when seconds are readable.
11.28.26
